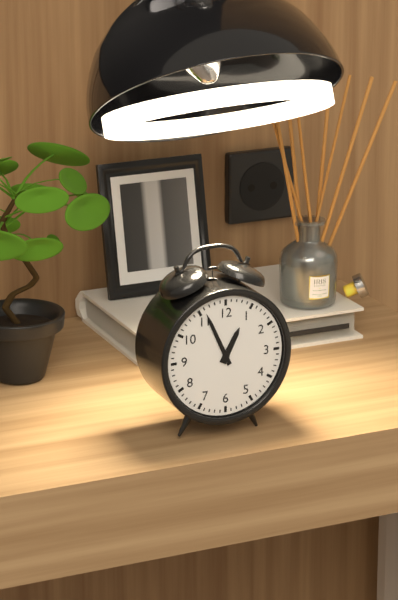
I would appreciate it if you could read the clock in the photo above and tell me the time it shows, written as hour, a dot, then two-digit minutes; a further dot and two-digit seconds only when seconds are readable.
12.56
